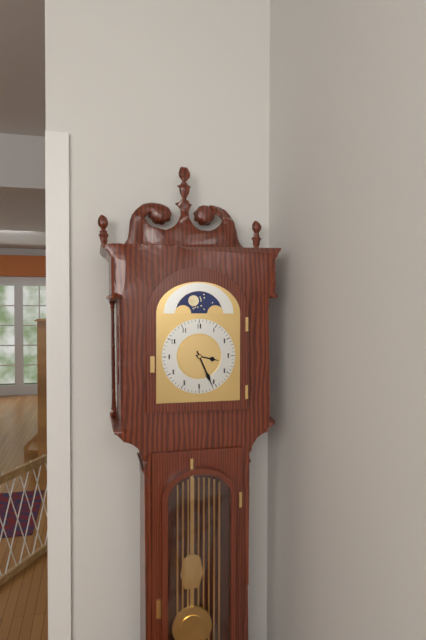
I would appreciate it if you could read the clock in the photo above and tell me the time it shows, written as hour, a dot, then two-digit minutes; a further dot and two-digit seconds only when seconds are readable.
3.26
